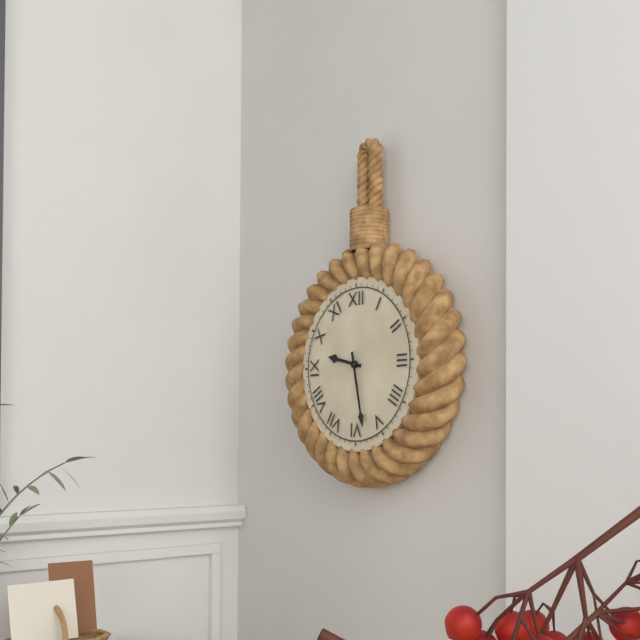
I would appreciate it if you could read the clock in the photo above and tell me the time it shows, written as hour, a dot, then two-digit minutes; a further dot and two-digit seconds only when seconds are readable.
9.28
